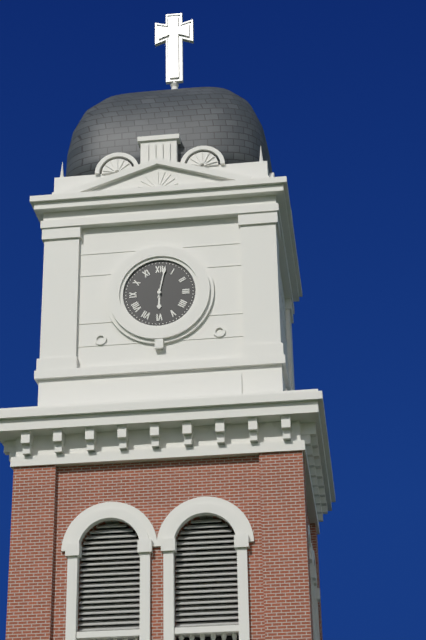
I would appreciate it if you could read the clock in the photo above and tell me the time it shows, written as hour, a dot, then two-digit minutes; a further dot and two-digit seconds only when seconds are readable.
6.02
